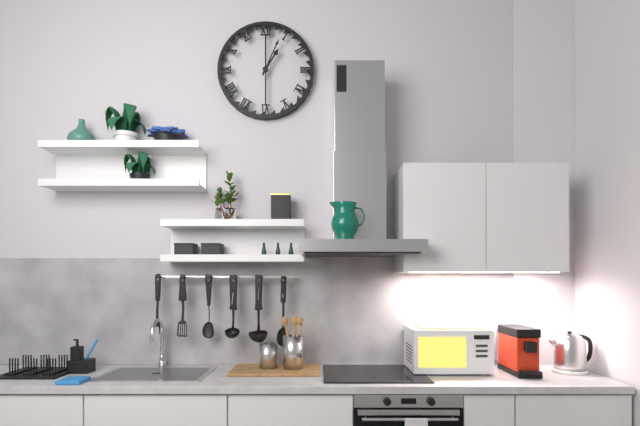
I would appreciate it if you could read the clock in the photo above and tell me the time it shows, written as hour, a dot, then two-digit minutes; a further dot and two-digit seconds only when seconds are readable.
1.04
